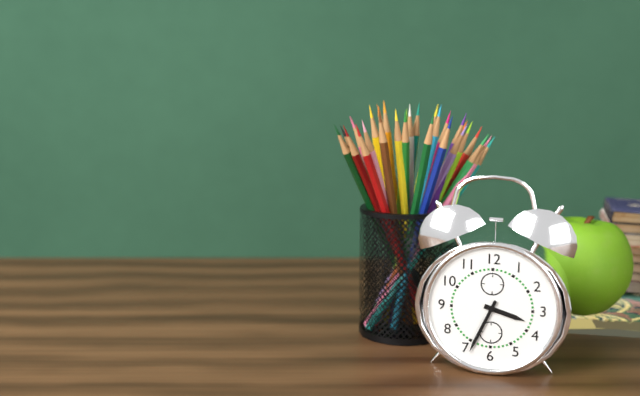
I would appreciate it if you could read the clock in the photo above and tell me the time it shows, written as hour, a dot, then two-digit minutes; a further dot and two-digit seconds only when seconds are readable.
3.34
